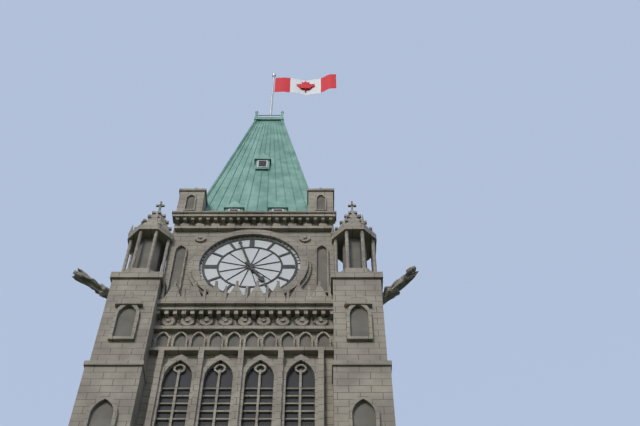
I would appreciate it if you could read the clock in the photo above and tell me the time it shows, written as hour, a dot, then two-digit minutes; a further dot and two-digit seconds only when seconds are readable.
4.57
